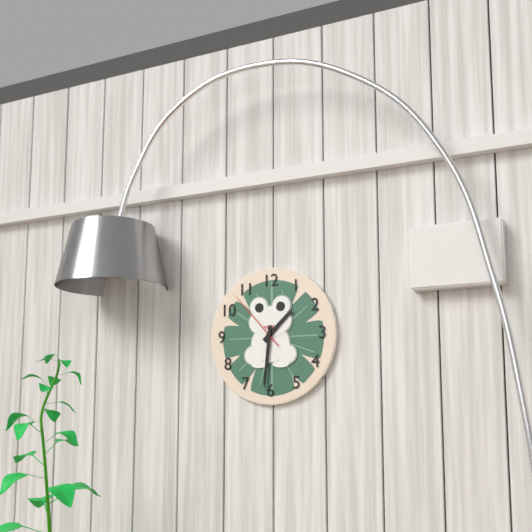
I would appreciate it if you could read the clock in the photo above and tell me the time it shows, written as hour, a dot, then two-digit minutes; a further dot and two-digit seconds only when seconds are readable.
1.31.53
